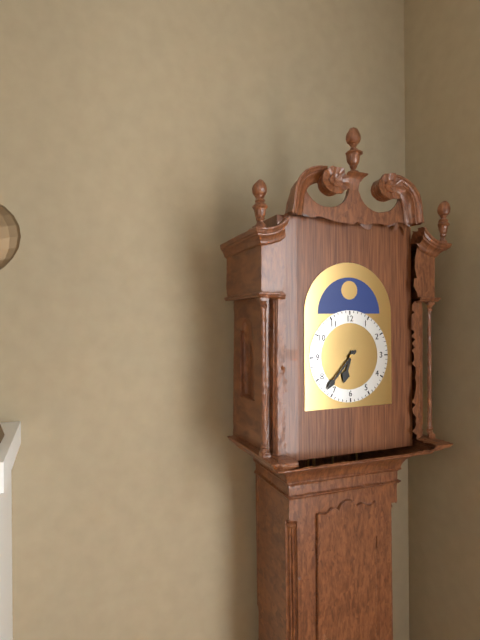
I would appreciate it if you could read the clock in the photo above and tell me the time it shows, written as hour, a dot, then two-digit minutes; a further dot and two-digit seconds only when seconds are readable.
6.37
